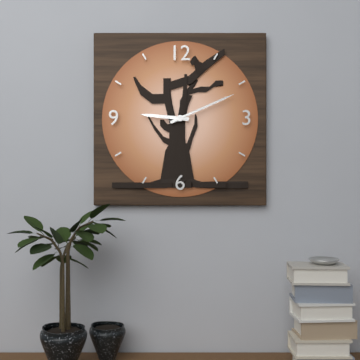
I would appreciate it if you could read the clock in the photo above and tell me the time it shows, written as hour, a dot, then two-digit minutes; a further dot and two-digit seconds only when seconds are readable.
9.11
